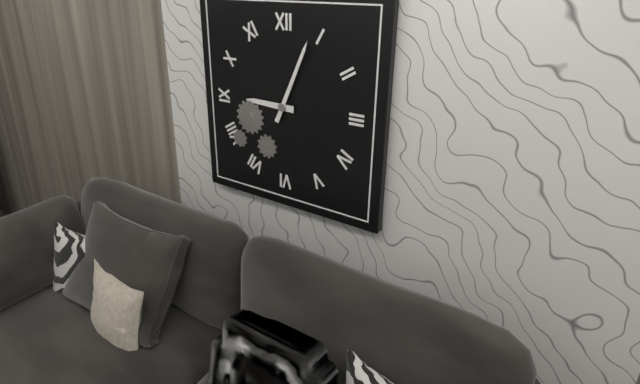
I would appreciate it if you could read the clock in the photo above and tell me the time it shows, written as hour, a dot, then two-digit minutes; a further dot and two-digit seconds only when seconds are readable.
9.04
